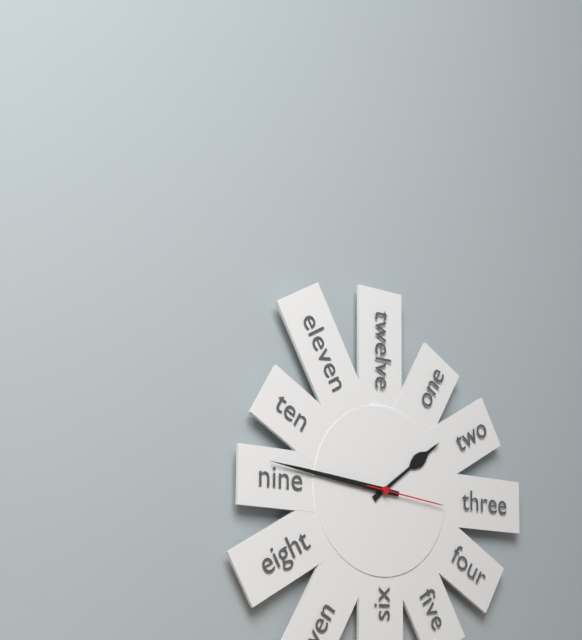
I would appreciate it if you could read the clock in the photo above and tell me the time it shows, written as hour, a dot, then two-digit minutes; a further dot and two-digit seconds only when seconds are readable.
1.46.16
